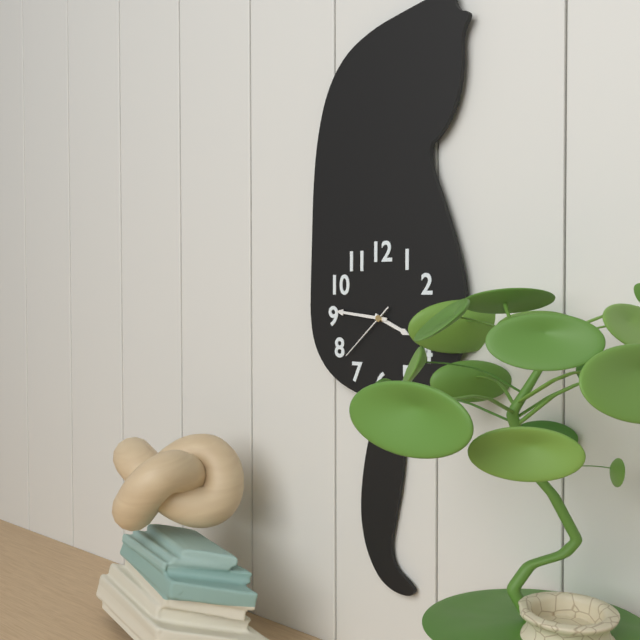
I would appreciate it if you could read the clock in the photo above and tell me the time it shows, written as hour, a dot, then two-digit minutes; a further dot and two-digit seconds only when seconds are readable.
3.46.38
